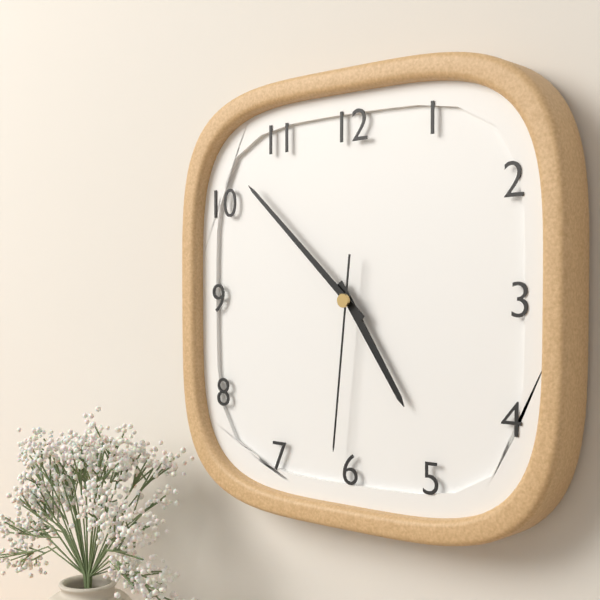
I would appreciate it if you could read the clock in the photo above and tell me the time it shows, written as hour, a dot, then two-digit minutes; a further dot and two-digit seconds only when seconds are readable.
4.52.31
